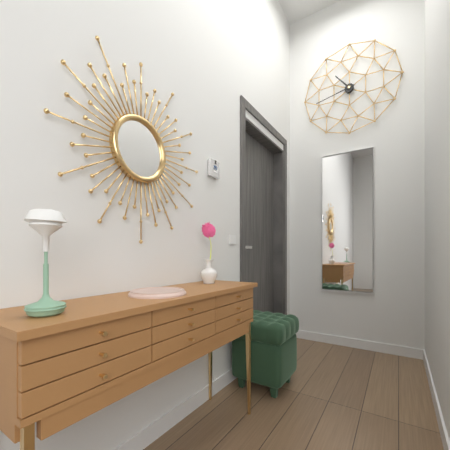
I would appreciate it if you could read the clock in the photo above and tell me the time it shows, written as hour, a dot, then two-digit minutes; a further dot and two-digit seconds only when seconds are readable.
10.43
